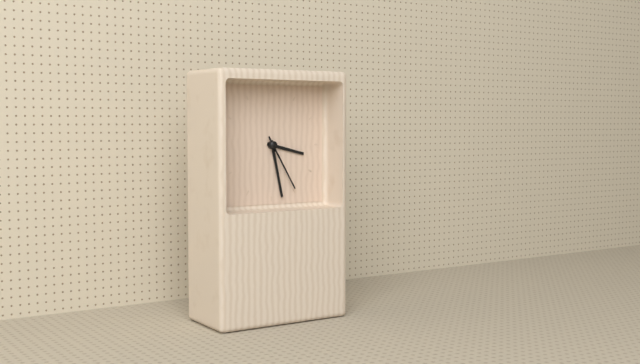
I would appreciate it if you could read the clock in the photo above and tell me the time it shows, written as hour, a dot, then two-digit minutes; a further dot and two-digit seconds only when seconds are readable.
3.28.25
